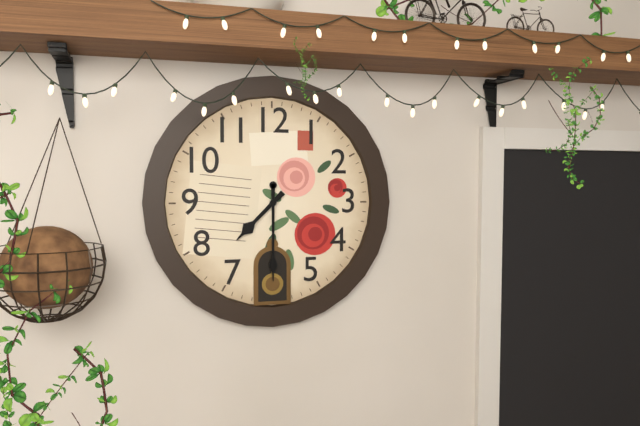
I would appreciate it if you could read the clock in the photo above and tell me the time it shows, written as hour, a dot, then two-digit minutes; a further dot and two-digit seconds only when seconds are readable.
7.30
